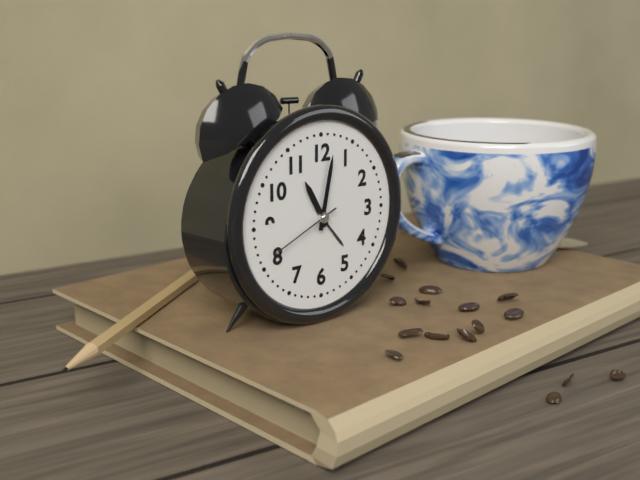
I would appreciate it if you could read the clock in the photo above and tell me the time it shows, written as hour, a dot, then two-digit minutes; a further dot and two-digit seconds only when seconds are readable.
11.02.41
